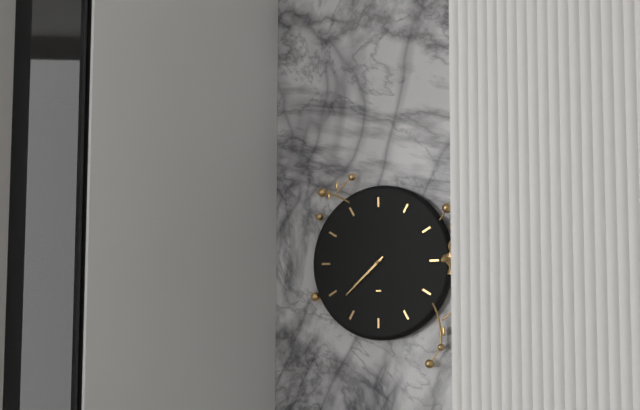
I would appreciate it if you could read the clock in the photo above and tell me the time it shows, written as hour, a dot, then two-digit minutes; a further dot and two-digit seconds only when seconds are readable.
7.38
